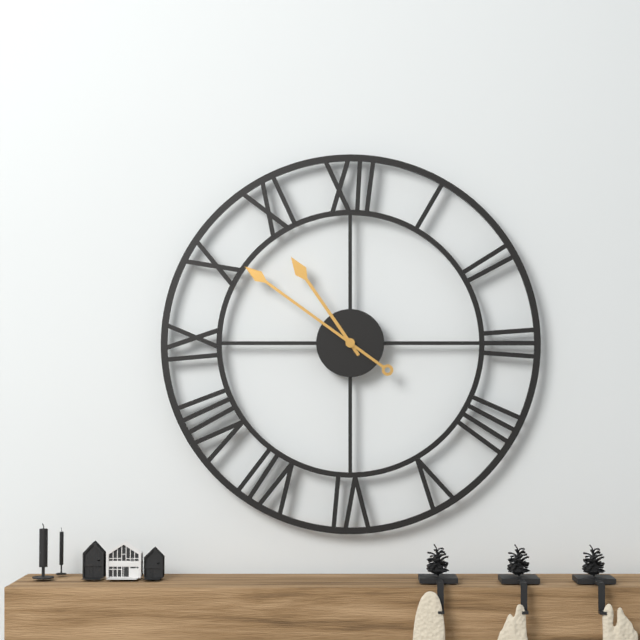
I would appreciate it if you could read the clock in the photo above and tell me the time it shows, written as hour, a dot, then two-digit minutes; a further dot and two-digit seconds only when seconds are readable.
10.51
